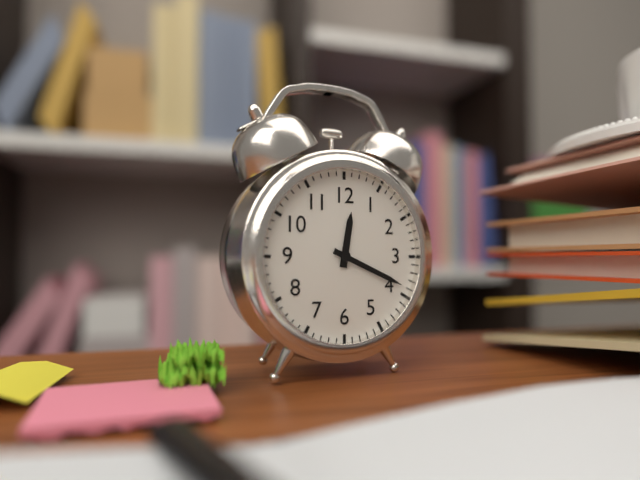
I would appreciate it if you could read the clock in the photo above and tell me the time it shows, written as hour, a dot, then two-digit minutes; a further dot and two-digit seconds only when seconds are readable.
12.19
